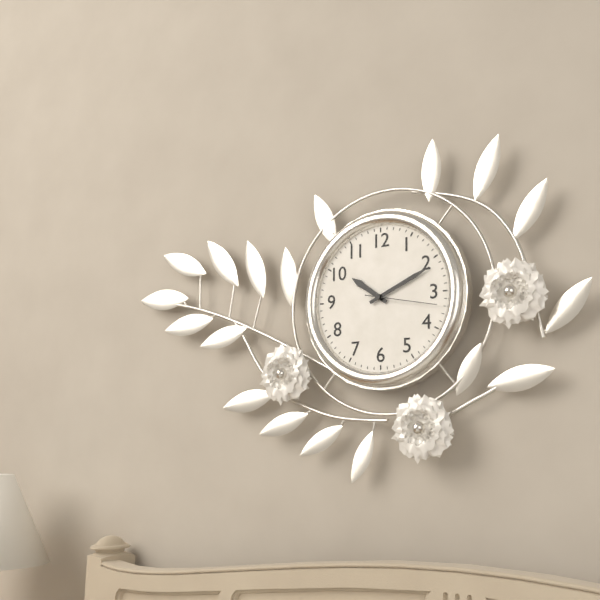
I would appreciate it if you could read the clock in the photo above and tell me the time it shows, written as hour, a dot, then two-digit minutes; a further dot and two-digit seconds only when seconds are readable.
10.11.17
